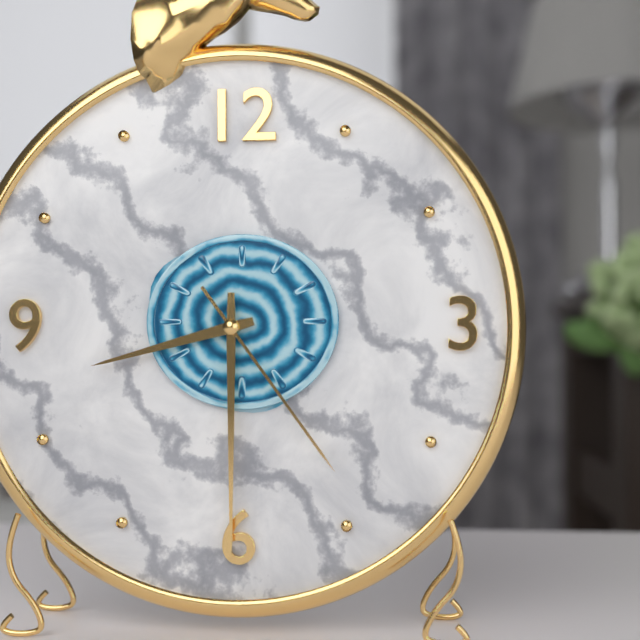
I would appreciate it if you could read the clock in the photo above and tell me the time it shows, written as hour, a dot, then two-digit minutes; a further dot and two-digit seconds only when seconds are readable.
8.30.24
